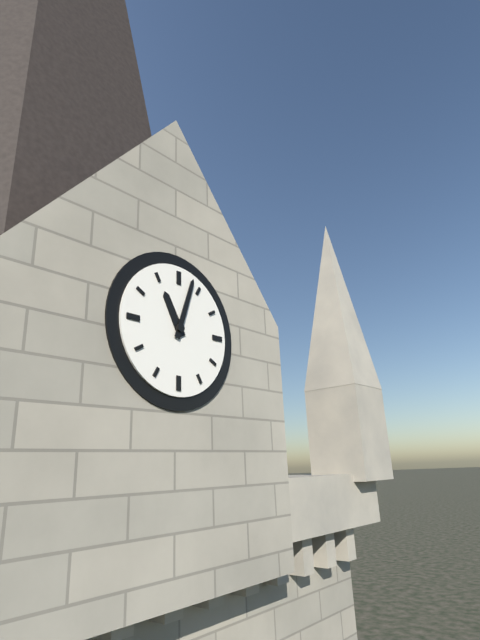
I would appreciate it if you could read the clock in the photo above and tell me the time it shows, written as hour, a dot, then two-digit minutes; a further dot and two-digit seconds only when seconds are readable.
11.03
